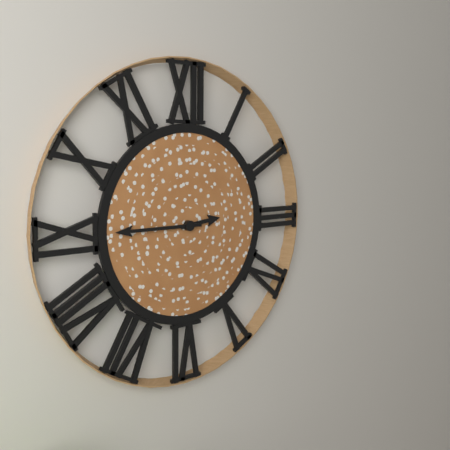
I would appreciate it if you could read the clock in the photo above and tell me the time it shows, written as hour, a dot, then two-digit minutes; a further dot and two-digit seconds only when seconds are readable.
2.45
